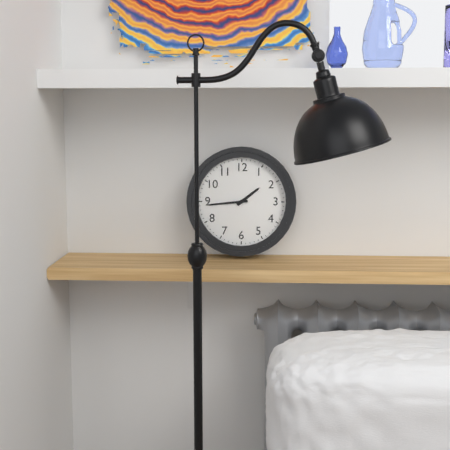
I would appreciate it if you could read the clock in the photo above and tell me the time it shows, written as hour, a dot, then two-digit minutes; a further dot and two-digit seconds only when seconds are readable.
1.44
